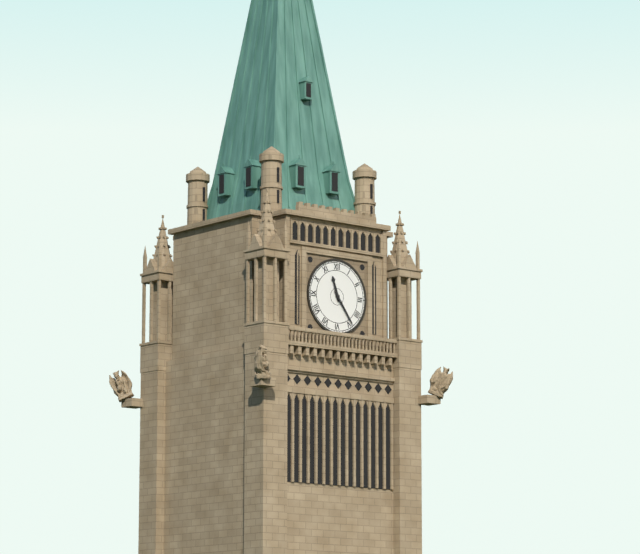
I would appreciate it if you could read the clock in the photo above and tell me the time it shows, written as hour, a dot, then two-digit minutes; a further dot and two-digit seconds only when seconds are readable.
11.24
